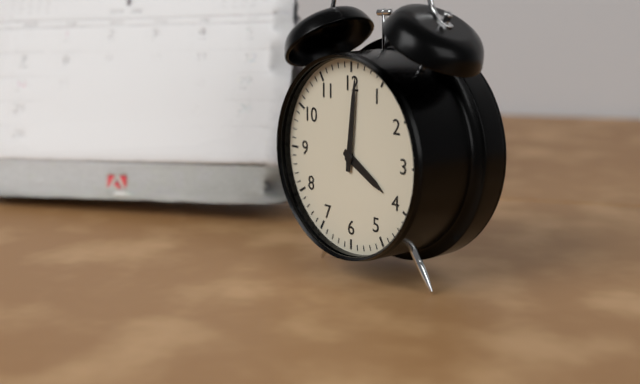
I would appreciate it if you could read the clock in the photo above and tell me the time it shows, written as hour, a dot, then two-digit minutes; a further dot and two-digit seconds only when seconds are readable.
4.01
